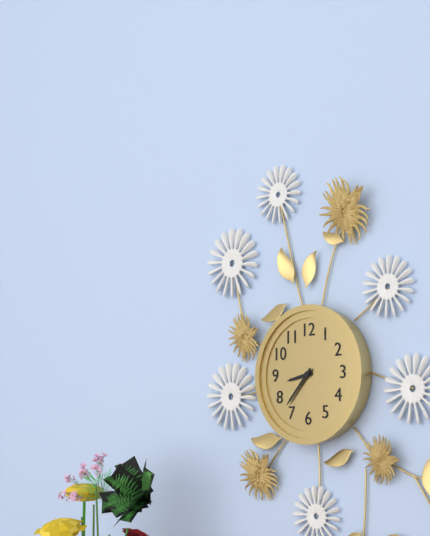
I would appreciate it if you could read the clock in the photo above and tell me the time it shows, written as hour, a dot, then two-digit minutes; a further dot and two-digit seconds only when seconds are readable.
8.37
